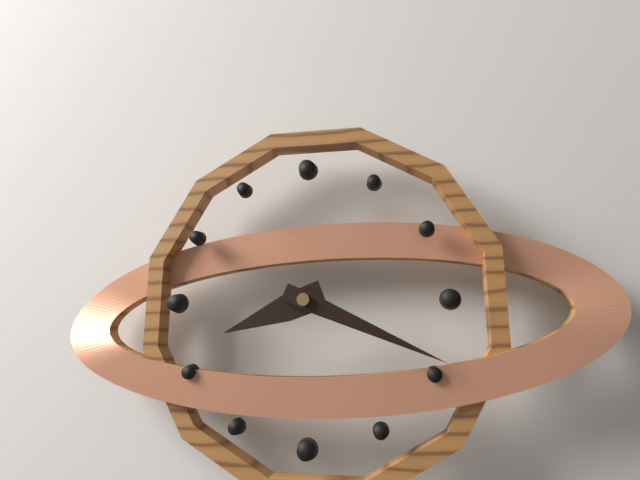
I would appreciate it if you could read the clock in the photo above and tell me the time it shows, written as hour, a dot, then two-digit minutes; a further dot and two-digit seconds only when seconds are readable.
8.19
